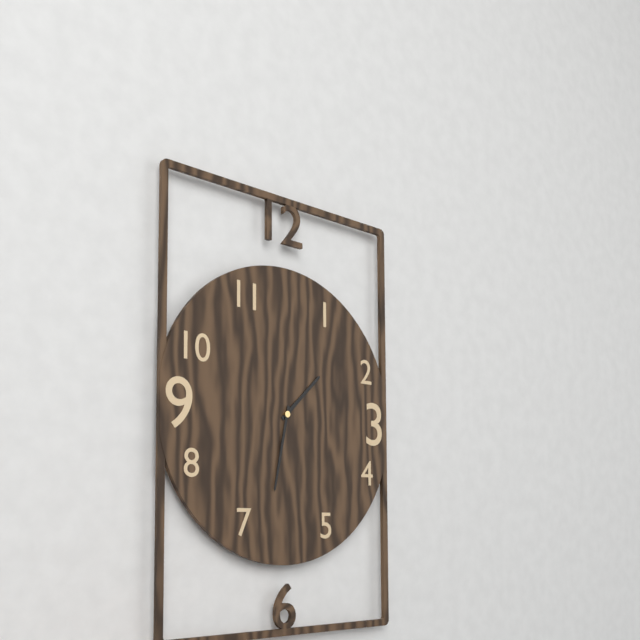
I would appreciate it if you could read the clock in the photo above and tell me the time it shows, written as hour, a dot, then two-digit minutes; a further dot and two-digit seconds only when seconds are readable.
1.32
